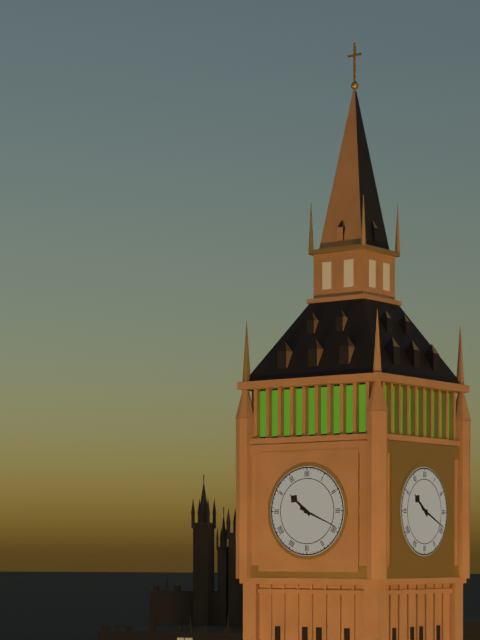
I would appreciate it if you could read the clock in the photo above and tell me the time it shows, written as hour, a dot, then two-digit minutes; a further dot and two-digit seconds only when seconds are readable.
10.19
